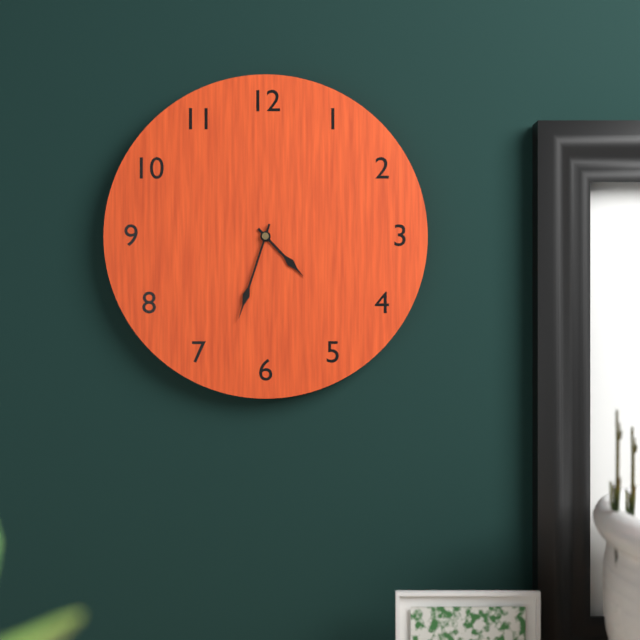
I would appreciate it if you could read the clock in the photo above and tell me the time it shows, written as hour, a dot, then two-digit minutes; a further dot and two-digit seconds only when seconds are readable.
4.33
